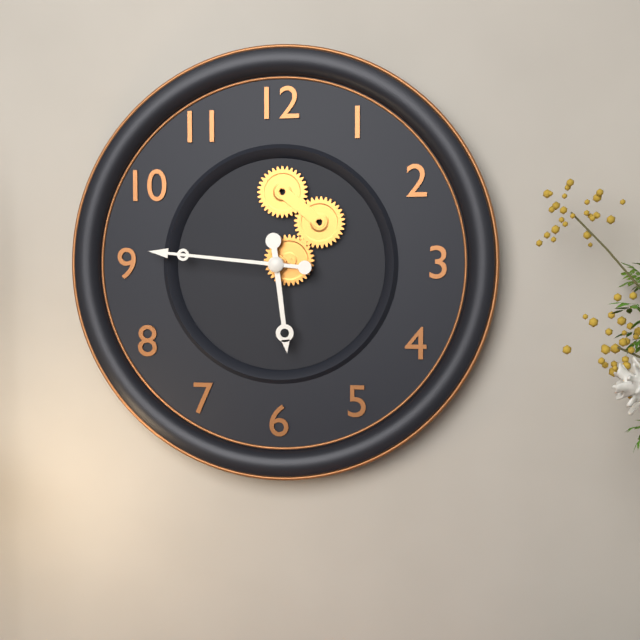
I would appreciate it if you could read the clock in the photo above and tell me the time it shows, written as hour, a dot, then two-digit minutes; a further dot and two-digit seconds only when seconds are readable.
5.46
